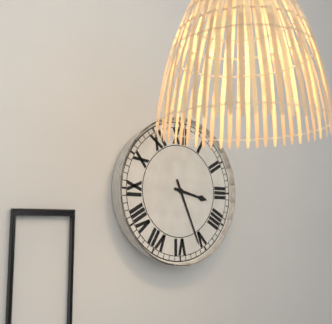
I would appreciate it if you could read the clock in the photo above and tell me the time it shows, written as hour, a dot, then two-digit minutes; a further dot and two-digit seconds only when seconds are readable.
3.26
